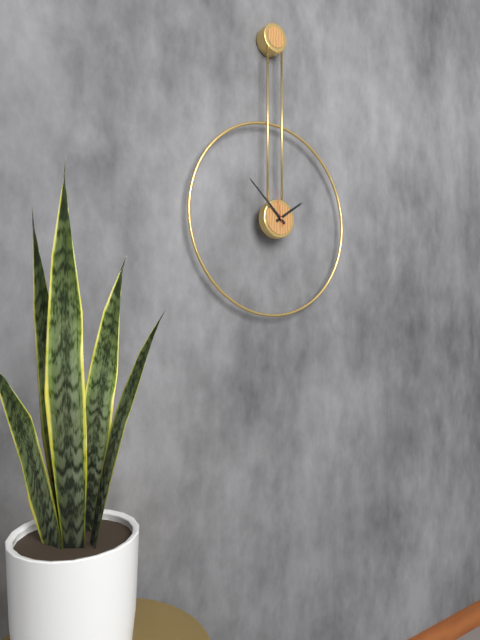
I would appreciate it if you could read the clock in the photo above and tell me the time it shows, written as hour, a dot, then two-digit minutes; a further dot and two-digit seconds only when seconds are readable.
1.52
